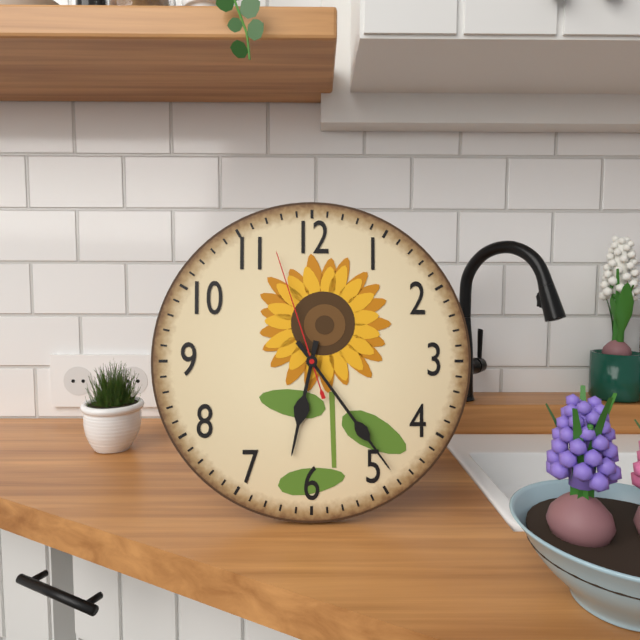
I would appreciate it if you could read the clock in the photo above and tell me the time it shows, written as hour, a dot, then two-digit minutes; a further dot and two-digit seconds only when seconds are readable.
6.24.57
